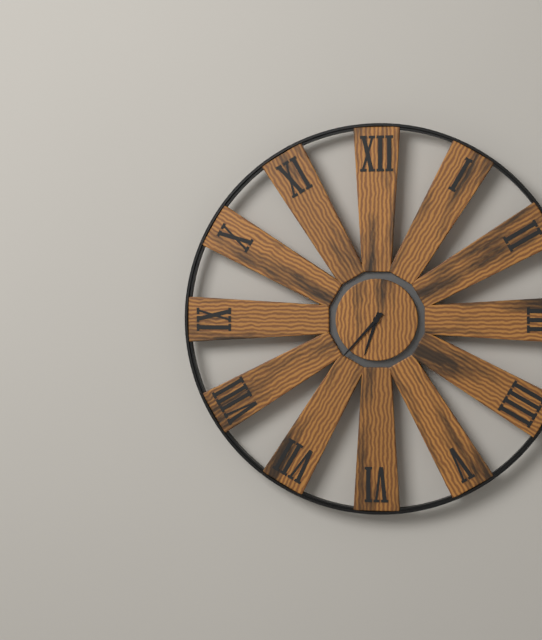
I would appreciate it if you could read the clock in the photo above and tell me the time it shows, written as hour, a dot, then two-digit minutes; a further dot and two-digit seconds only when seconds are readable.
6.37
